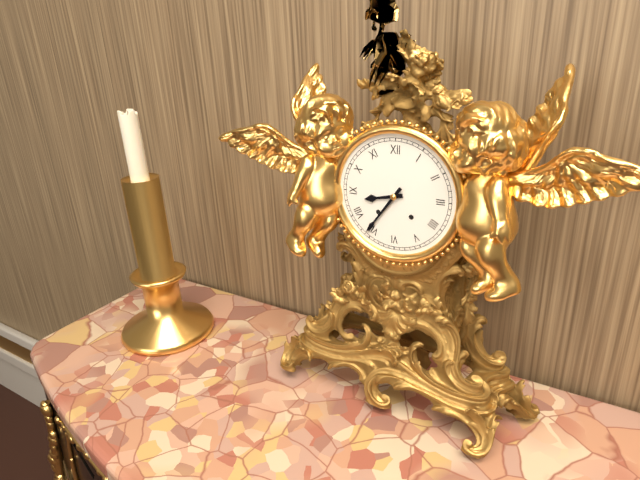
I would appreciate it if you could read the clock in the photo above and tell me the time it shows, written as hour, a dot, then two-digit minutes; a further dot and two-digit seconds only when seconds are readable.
8.36
